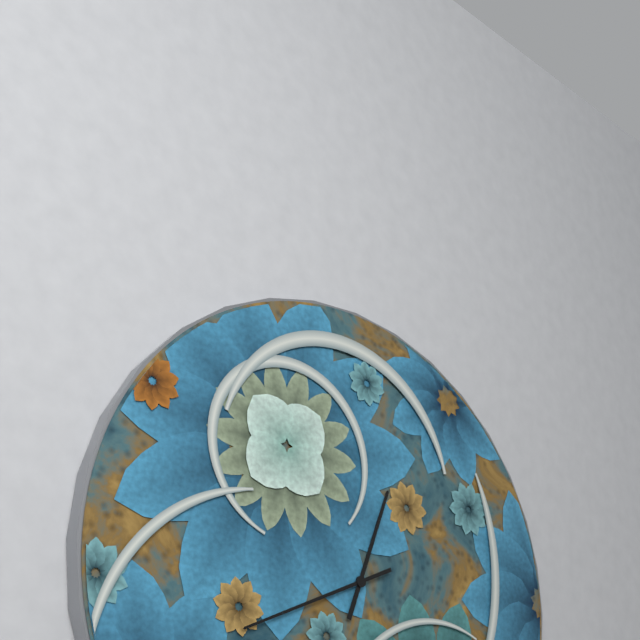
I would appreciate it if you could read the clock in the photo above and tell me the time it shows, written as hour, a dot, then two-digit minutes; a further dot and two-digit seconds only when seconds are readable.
12.41
